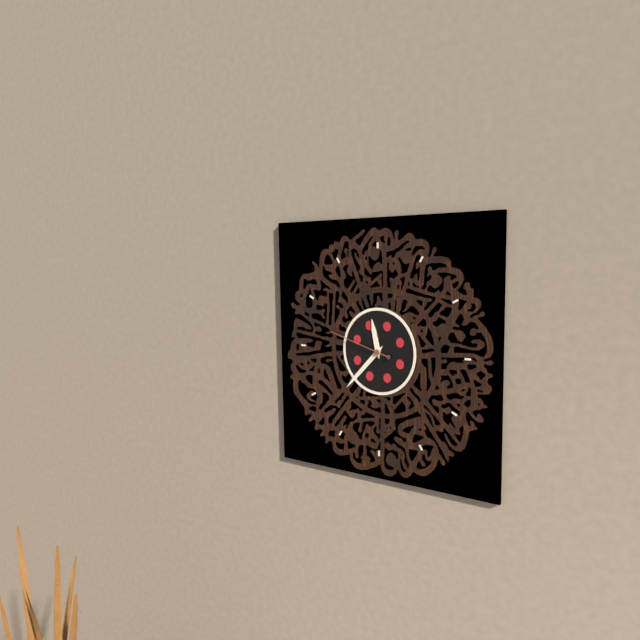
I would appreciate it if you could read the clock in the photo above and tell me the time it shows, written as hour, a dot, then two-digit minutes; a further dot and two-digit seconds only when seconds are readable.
11.37.48
